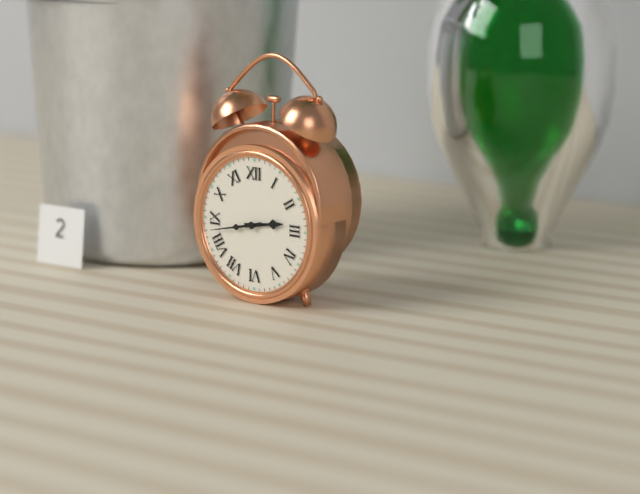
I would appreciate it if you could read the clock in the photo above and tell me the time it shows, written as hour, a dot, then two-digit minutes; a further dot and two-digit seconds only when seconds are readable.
2.43
